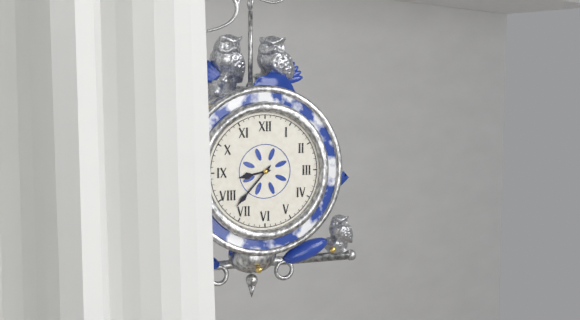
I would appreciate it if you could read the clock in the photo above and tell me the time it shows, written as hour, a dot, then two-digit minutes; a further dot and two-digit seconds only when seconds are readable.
8.37
